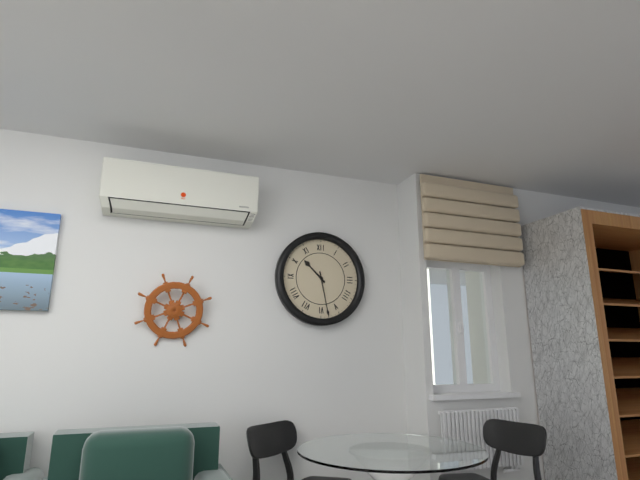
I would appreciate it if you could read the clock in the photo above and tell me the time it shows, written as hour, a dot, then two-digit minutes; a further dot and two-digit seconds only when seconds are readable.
10.28
